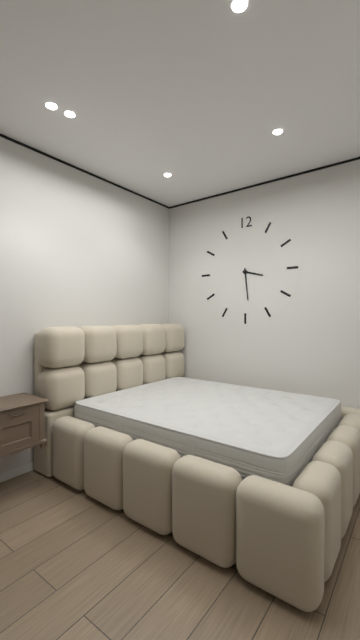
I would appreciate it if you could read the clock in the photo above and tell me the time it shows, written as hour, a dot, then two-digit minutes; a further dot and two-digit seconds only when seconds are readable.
3.29
